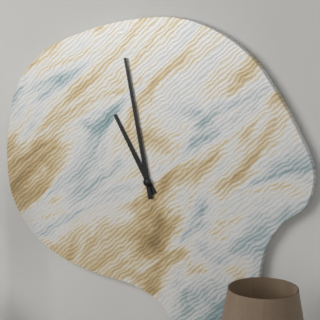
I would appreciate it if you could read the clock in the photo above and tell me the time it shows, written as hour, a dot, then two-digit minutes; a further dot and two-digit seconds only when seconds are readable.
10.58
